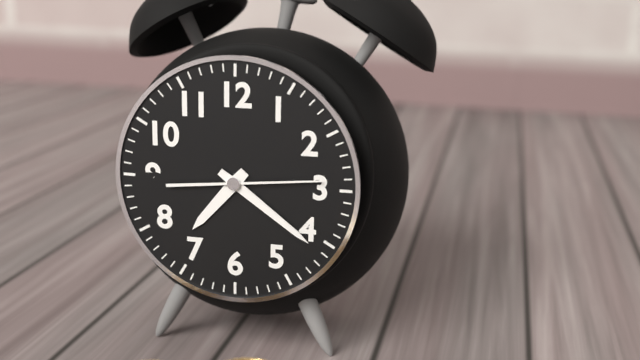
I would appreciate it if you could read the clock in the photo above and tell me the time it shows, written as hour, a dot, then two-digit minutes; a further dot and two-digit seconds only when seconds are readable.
7.21.14
